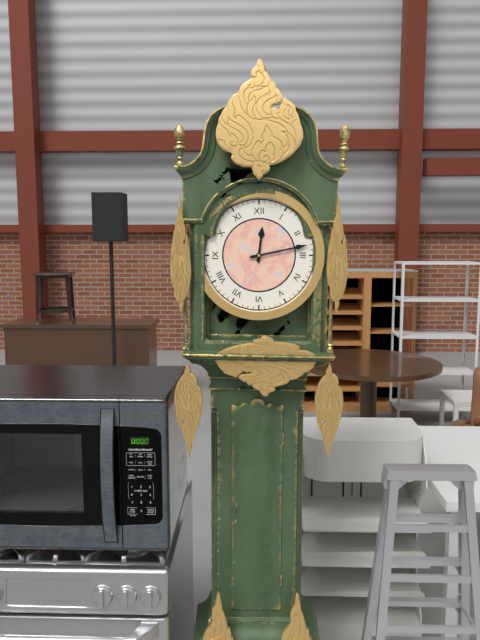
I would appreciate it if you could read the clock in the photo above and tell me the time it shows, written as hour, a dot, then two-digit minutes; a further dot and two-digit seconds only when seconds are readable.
12.13
